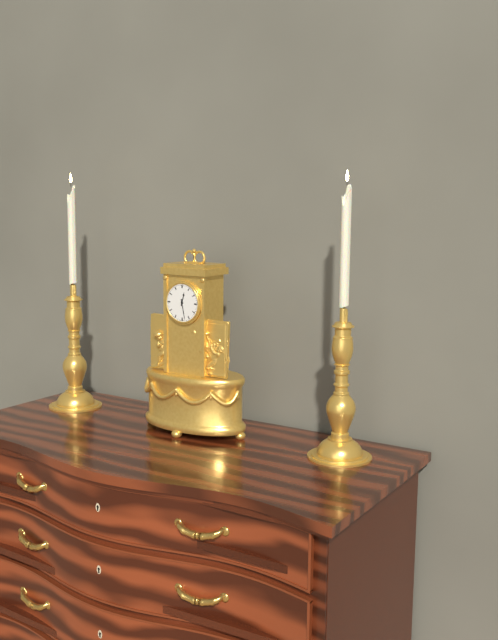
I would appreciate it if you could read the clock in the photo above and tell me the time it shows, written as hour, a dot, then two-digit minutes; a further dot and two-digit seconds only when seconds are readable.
12.28
